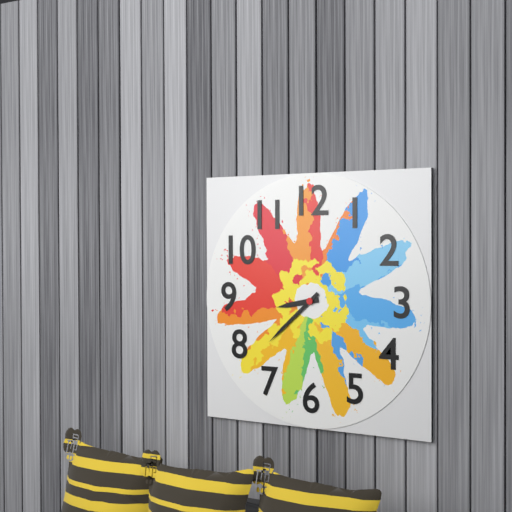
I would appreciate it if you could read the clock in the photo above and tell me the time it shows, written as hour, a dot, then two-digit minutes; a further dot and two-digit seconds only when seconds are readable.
8.38
